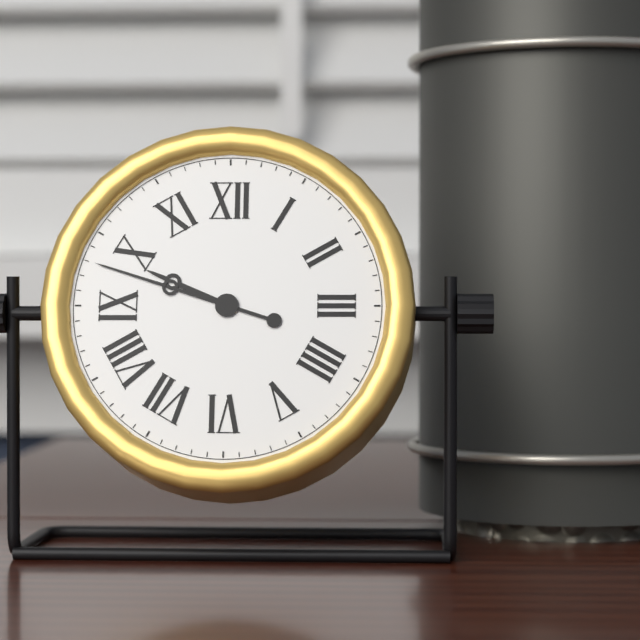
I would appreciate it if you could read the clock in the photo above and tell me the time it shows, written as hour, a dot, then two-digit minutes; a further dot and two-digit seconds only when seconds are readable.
9.48
